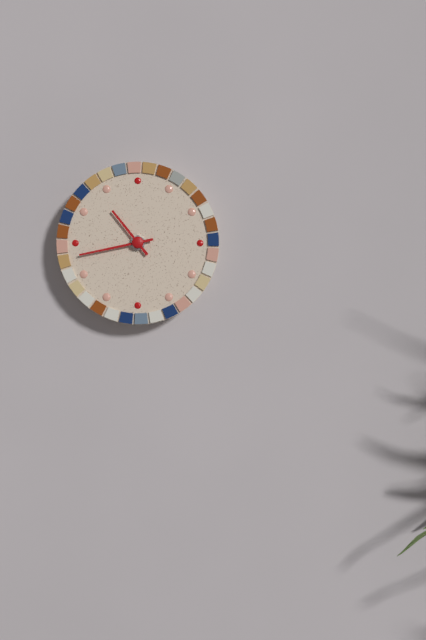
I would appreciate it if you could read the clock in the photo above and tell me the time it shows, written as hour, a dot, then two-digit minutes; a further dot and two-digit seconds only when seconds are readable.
10.43
